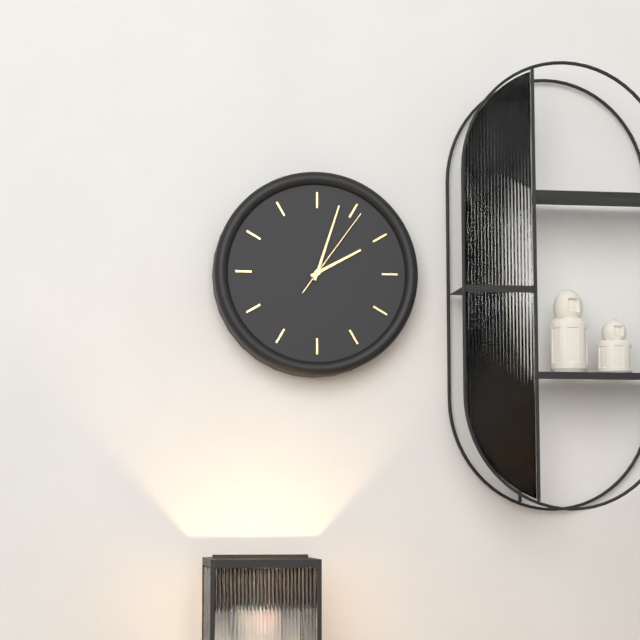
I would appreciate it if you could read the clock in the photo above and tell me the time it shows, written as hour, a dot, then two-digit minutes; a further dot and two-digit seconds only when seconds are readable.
2.03.06
